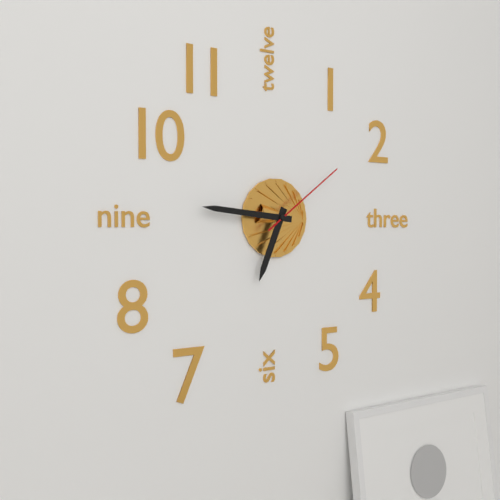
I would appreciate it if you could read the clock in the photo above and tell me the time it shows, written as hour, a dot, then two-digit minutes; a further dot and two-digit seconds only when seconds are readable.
6.46.09
